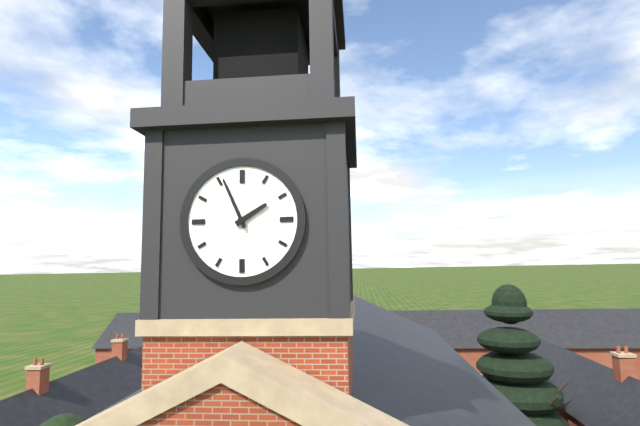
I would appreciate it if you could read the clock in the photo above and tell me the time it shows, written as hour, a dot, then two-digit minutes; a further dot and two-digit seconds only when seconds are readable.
1.56
